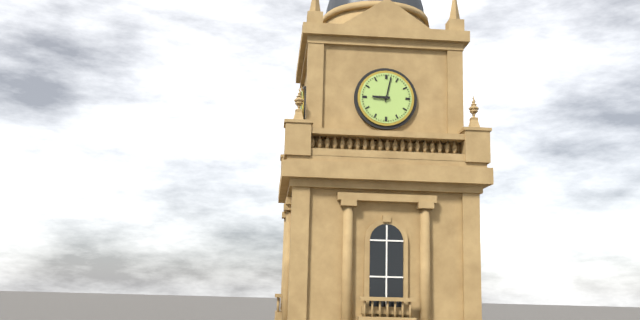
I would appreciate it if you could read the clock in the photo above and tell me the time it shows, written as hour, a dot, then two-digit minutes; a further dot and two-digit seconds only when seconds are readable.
9.02
